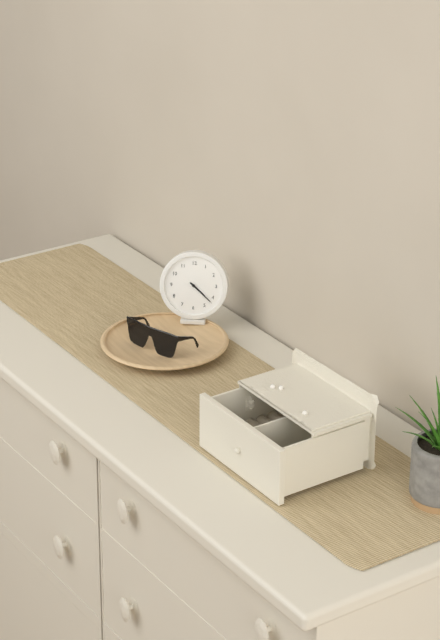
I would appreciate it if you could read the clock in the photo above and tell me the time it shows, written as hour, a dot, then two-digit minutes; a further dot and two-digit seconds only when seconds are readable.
4.22
